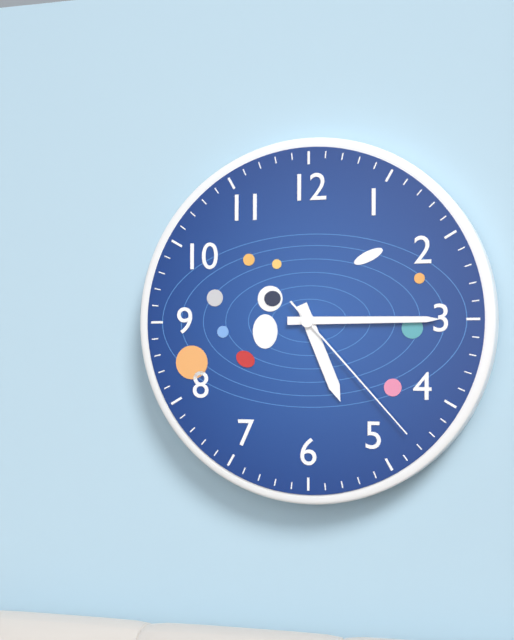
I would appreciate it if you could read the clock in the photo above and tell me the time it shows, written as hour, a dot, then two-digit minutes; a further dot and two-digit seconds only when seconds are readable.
5.15.23
